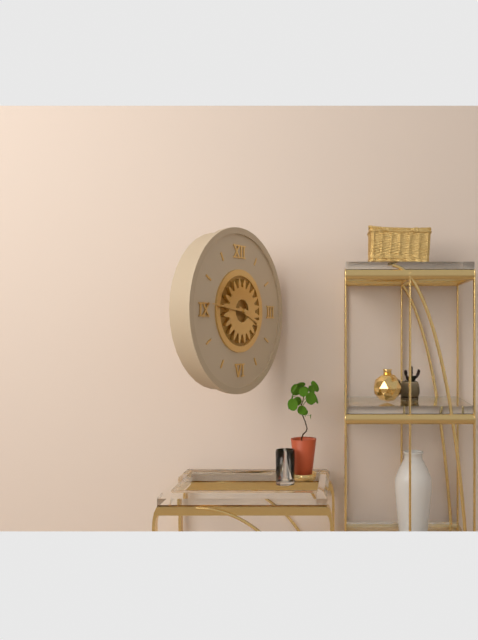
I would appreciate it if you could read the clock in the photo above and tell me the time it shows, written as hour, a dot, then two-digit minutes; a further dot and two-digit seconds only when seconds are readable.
3.46
